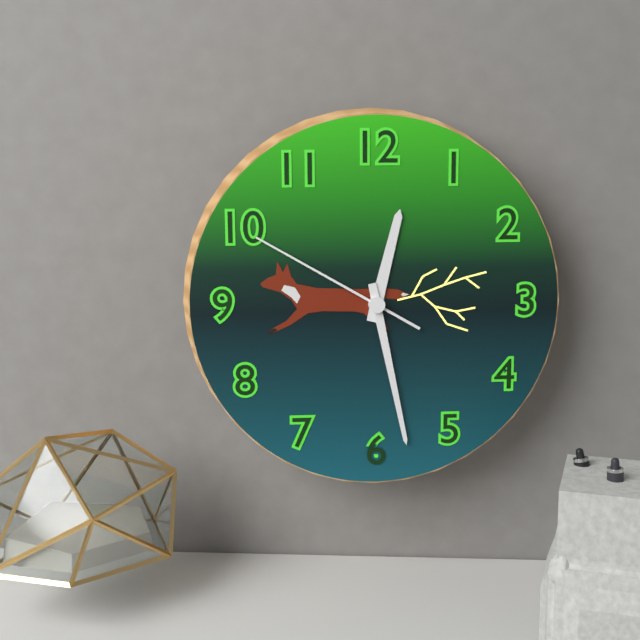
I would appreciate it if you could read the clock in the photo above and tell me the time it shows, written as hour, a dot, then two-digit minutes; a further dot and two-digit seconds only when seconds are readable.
12.28.50
